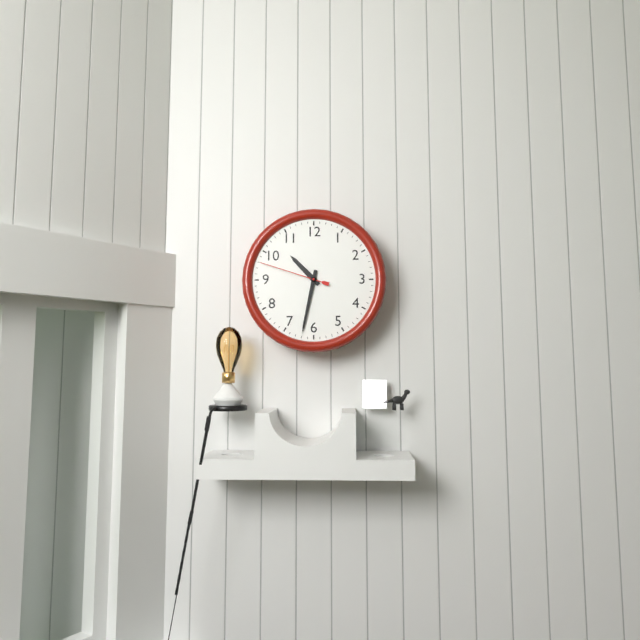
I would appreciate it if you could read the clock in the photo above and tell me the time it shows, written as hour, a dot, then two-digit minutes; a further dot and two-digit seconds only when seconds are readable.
10.32.48
